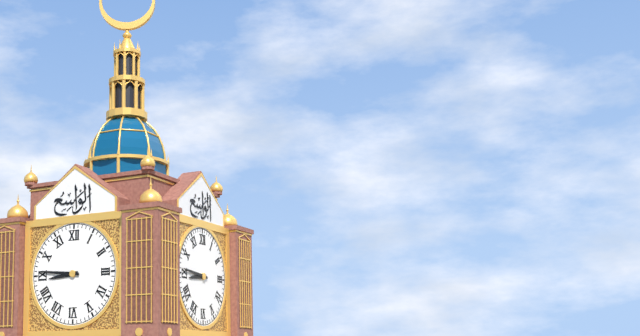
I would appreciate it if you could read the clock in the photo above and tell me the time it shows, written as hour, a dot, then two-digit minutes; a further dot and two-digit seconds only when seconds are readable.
8.46
